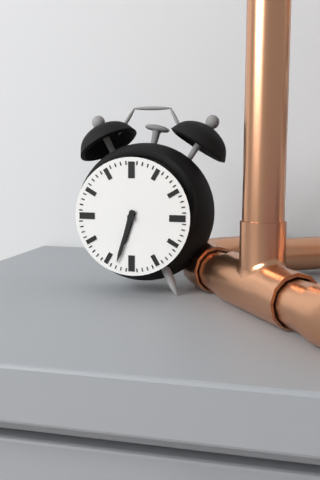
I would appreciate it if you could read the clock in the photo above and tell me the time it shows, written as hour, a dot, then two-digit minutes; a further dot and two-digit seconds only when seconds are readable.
6.33
